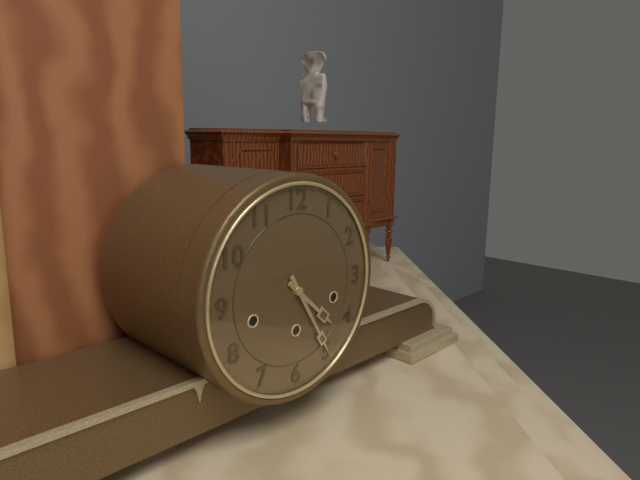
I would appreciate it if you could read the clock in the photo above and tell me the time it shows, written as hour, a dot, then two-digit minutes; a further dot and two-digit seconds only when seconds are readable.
4.25
